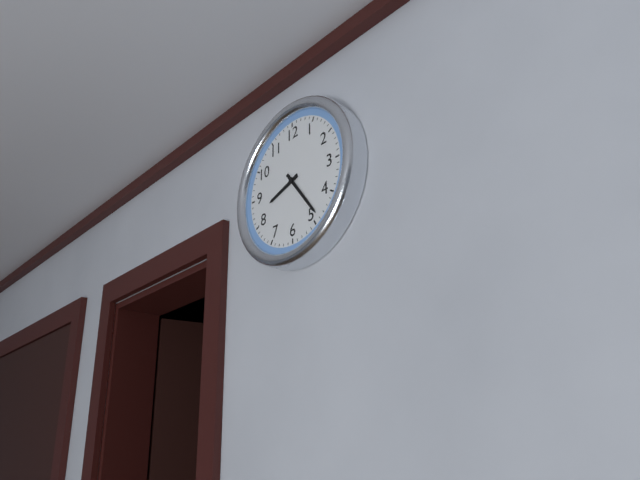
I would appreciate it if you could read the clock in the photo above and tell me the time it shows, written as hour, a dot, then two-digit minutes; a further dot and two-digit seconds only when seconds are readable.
8.24
